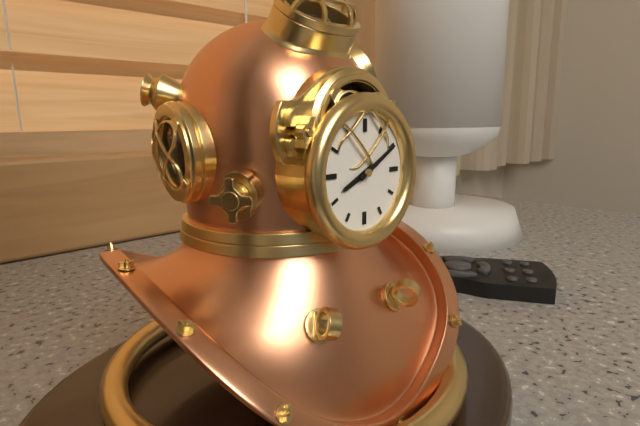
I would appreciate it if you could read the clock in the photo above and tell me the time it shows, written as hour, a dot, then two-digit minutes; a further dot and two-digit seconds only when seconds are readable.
8.10
